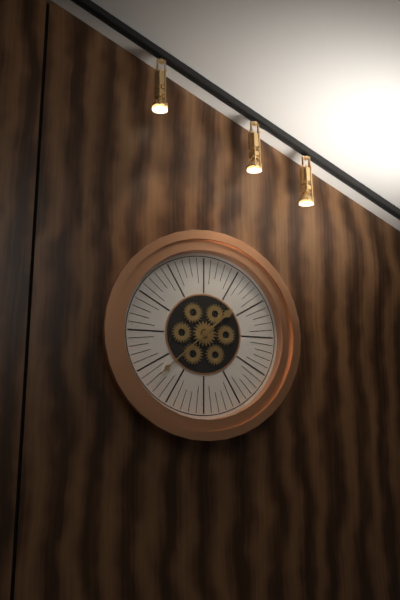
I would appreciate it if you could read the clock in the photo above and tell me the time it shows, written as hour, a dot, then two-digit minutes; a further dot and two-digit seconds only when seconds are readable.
1.38
